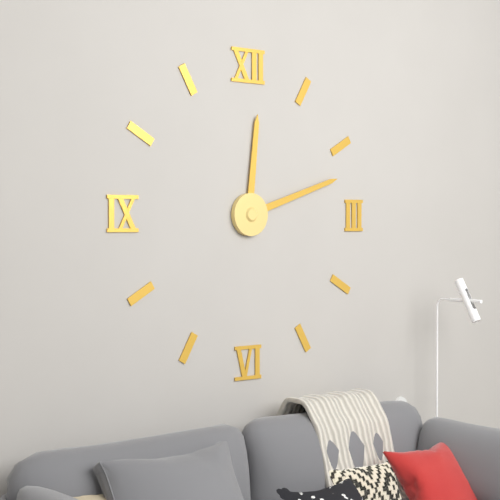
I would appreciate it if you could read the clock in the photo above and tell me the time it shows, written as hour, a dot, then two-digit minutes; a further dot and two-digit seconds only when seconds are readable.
12.12
